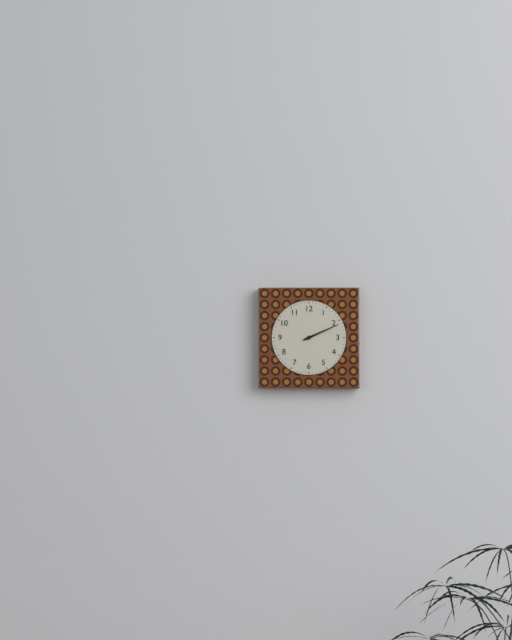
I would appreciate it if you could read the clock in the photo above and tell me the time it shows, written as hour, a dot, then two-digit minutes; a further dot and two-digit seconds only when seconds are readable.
2.11
